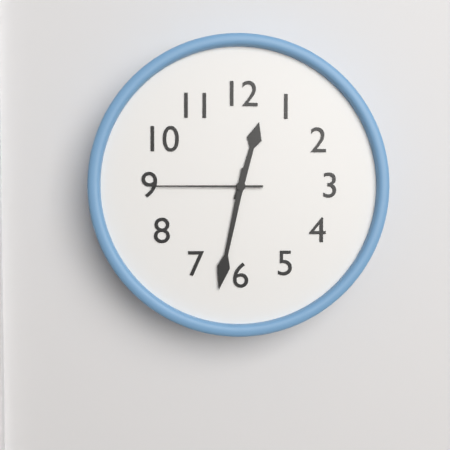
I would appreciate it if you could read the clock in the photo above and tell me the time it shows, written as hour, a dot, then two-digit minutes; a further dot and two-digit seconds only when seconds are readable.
12.32.45
